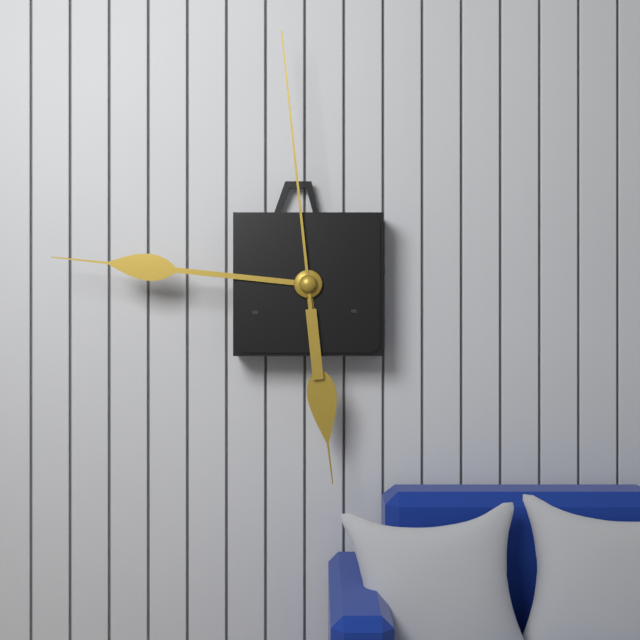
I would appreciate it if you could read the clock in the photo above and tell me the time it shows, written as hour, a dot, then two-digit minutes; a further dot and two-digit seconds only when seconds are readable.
5.46.59
